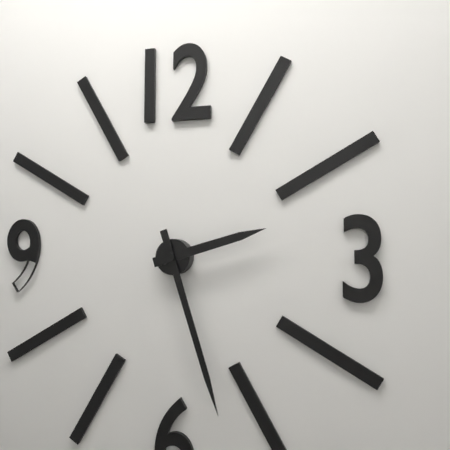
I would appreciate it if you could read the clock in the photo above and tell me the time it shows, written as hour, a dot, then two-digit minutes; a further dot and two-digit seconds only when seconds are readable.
2.27
